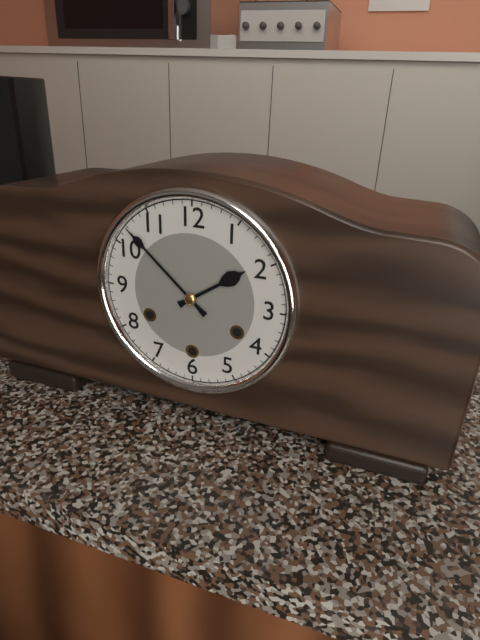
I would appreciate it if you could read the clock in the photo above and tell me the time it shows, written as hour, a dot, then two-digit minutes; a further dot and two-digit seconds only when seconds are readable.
1.52
